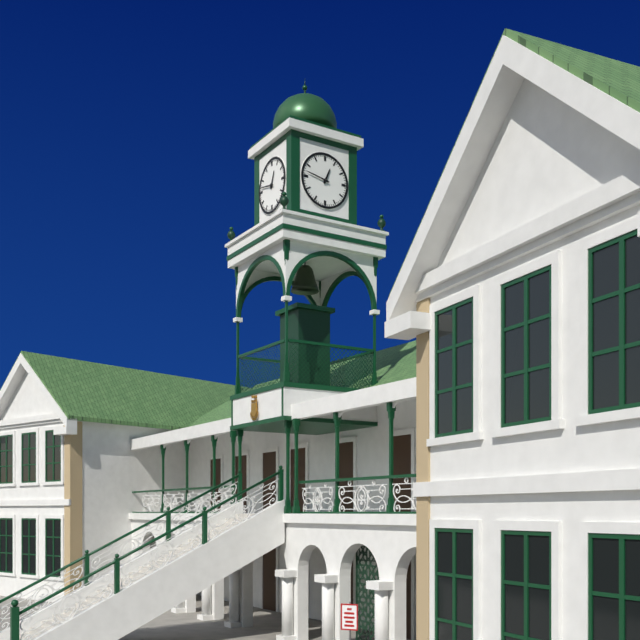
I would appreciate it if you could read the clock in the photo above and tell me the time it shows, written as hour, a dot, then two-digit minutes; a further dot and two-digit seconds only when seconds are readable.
12.47
